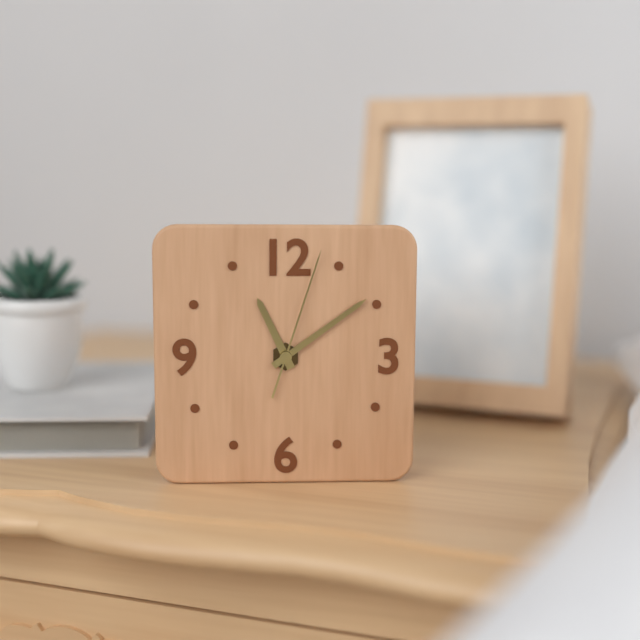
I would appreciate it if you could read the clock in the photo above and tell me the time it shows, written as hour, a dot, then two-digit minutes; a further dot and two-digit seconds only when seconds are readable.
11.09.03
